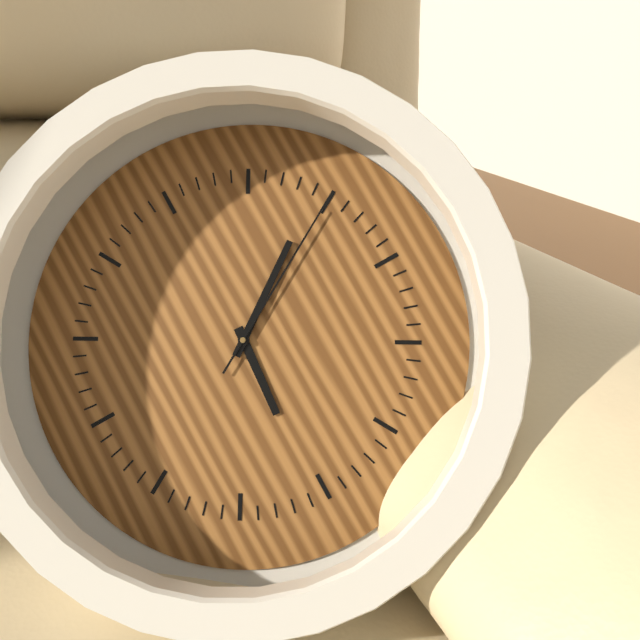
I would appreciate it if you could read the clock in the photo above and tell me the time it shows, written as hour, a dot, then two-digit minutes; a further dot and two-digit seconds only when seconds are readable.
6.09.10
